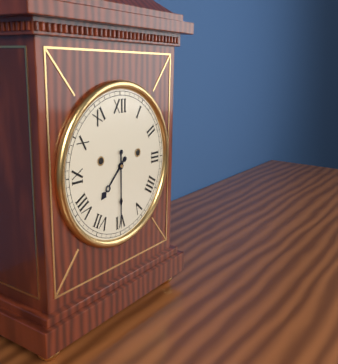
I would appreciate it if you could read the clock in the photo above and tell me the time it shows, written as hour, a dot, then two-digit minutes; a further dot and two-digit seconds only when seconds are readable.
7.30
